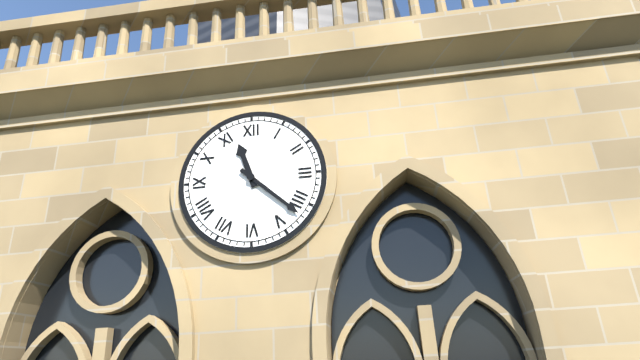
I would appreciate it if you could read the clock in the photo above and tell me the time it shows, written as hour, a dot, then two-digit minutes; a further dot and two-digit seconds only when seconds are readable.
11.22
